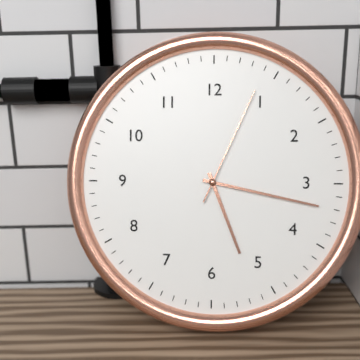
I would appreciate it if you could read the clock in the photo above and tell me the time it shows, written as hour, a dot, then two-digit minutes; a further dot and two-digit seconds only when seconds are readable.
5.17.04
